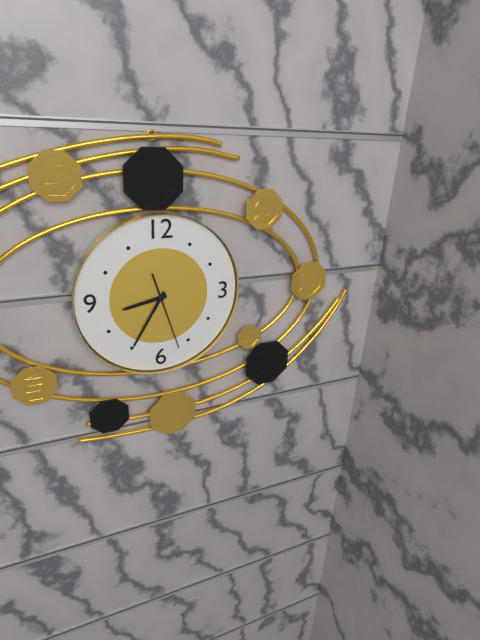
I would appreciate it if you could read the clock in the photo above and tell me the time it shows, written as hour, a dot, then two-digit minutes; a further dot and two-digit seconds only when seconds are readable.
8.35.27
